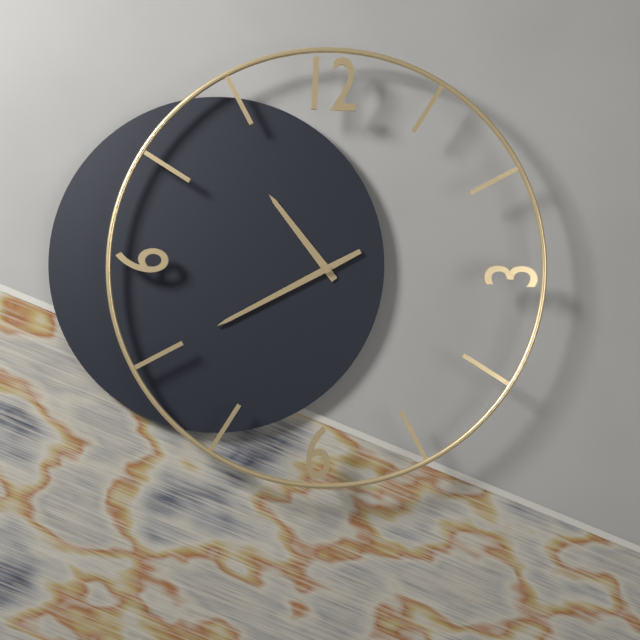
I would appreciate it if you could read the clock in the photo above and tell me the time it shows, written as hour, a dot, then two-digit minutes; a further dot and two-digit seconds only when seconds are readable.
10.40
